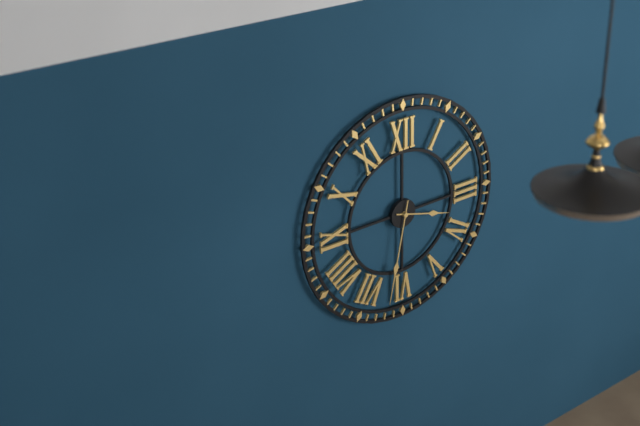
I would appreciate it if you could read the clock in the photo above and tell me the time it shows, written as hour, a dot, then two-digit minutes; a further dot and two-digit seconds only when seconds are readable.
3.32
